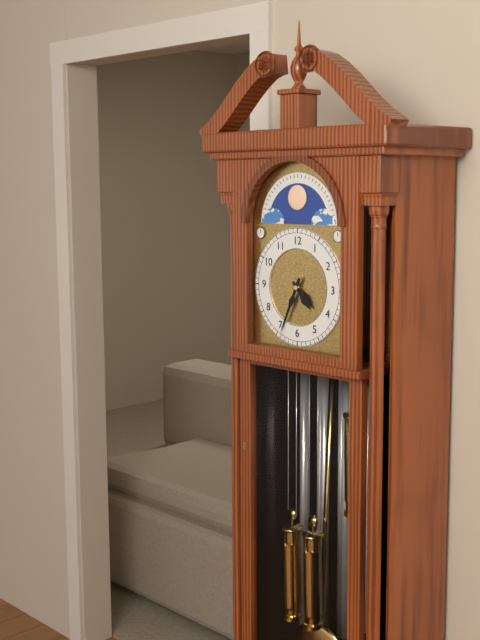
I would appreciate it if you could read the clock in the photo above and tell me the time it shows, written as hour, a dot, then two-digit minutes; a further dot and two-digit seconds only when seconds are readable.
4.34
